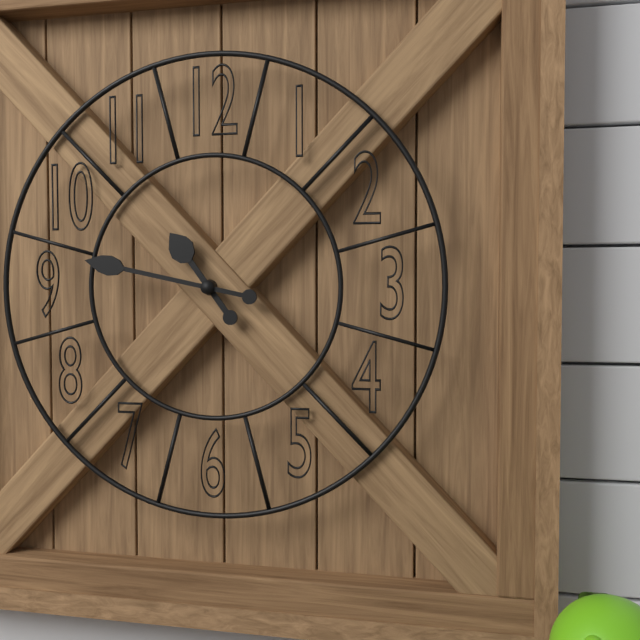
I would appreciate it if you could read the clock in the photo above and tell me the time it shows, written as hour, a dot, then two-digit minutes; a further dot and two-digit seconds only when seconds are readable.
10.47
